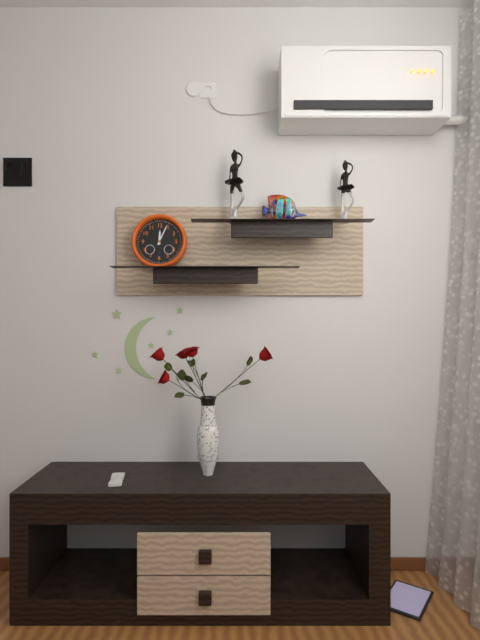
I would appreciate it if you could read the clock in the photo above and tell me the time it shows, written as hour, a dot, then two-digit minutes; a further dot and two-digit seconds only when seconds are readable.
12.04
